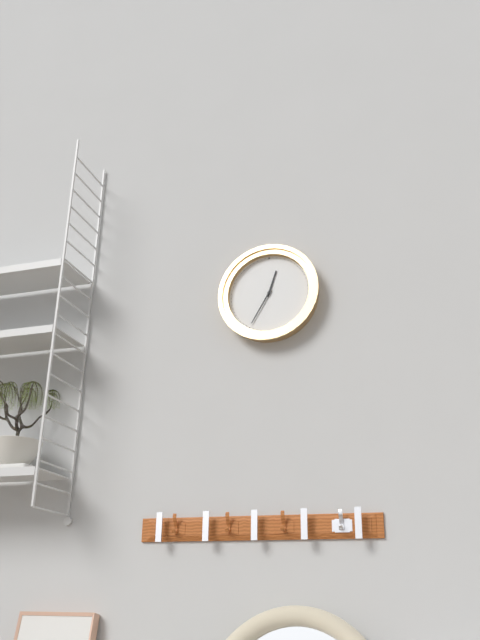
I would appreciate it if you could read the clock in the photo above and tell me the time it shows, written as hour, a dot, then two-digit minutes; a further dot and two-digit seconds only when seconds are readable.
12.35
